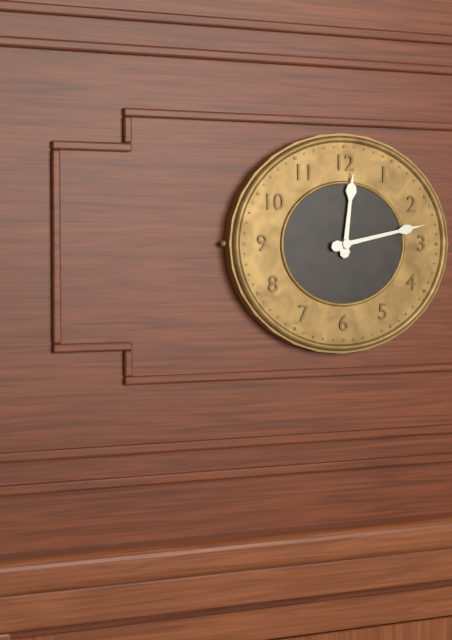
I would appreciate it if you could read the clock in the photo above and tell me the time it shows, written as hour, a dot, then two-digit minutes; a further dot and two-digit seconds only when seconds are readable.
12.13
